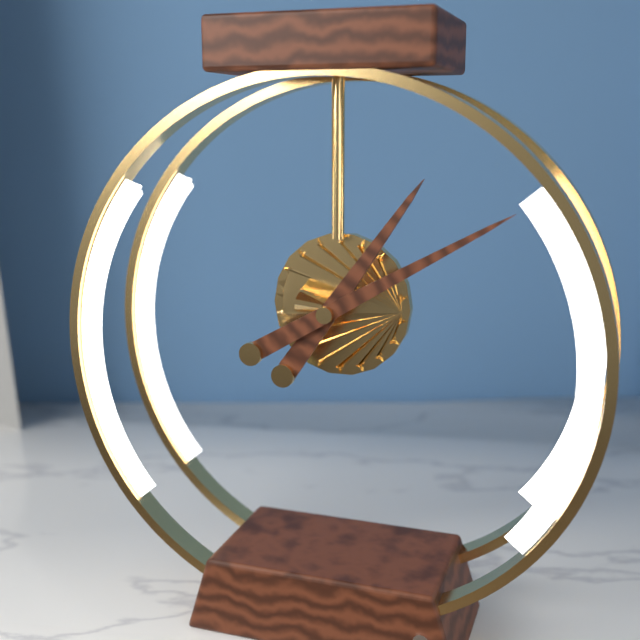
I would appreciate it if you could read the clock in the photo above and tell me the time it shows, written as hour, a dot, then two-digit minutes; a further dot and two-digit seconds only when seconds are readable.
1.10
